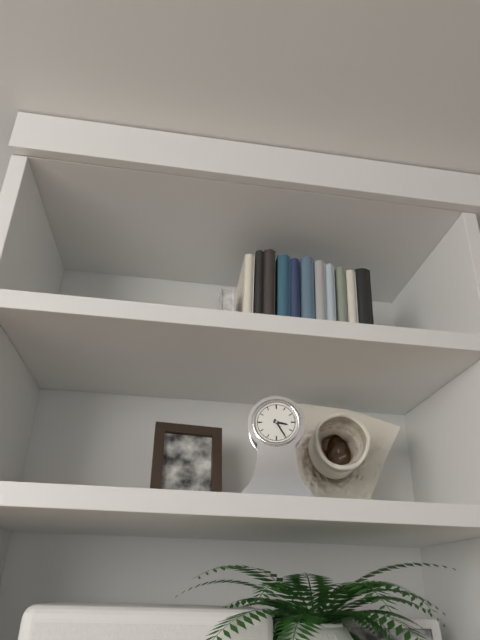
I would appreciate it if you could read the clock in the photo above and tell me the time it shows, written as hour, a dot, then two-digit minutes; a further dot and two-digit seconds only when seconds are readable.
3.25
